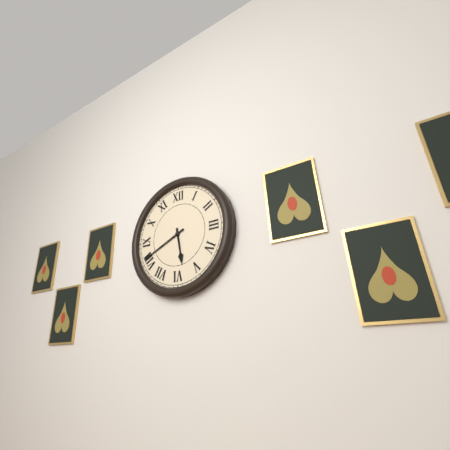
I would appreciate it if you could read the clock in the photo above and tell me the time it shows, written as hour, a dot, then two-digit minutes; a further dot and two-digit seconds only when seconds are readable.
5.41
